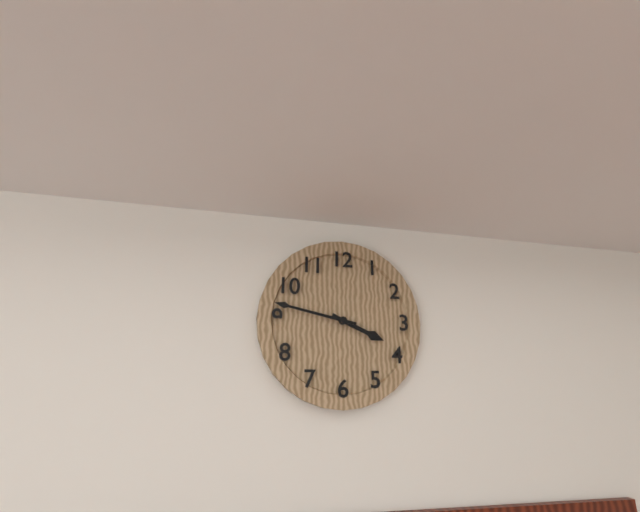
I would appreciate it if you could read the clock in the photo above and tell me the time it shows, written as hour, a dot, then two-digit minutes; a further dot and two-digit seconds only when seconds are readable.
3.47
